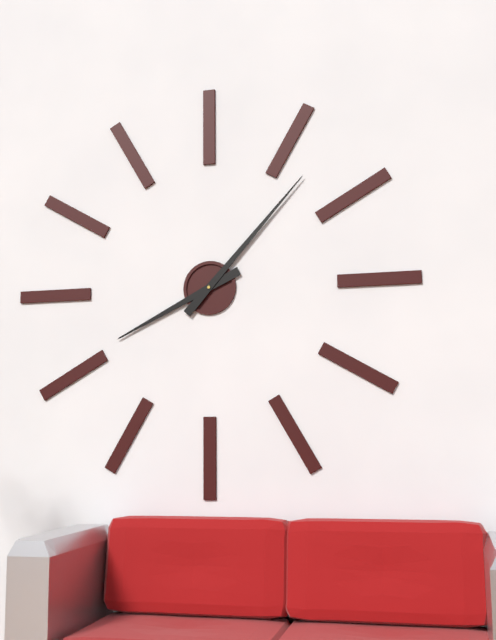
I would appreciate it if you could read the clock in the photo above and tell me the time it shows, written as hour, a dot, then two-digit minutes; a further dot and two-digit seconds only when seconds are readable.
8.07
